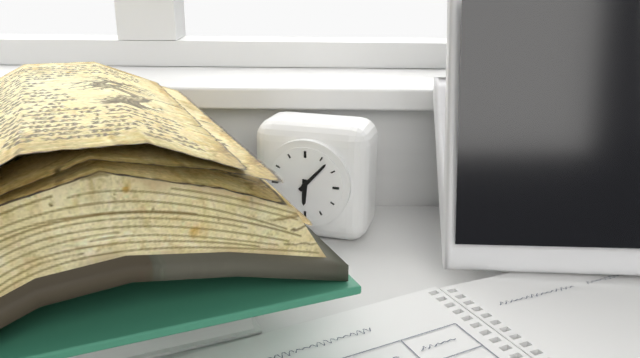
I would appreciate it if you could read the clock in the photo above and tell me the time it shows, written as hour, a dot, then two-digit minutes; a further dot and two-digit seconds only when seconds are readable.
6.07
